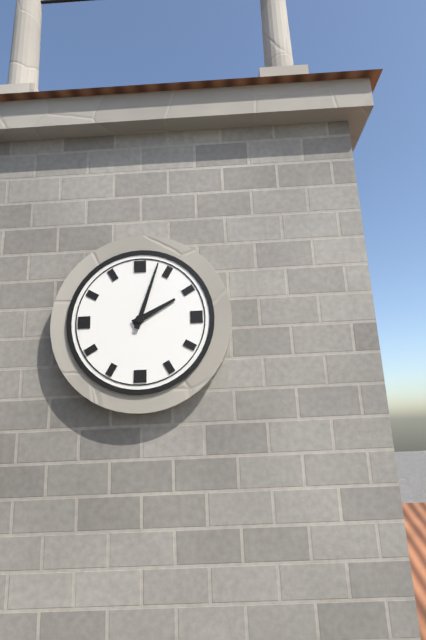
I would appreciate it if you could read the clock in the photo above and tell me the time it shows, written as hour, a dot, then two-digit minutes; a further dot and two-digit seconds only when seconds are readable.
2.03
